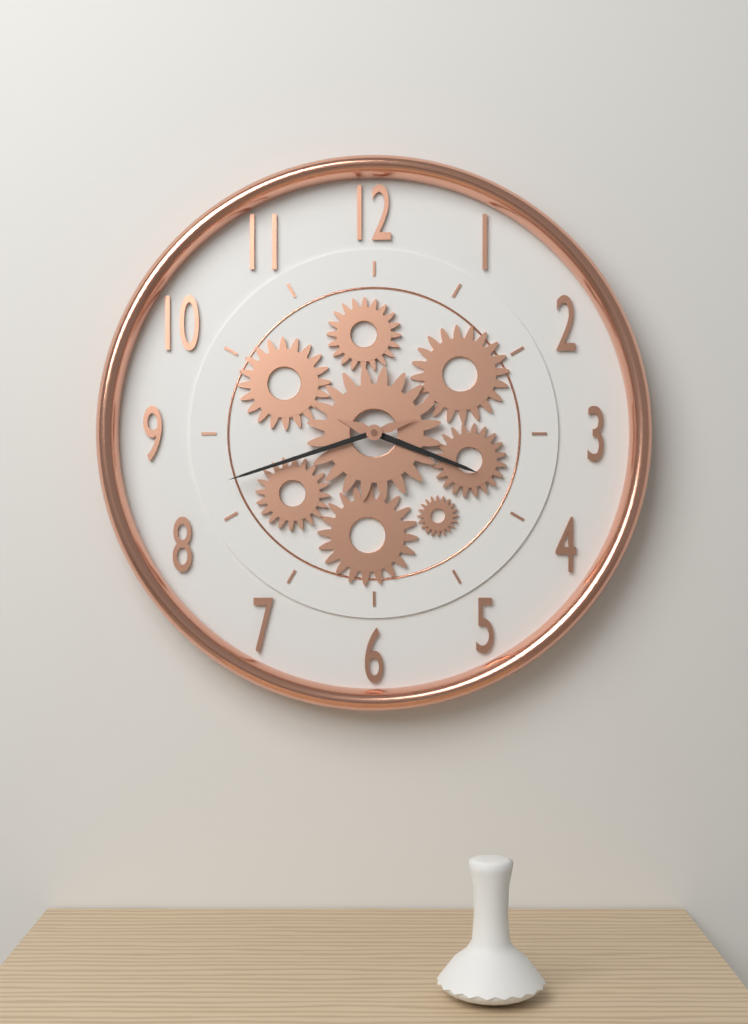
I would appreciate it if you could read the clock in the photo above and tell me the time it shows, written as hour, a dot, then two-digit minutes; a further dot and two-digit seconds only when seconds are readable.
3.42
